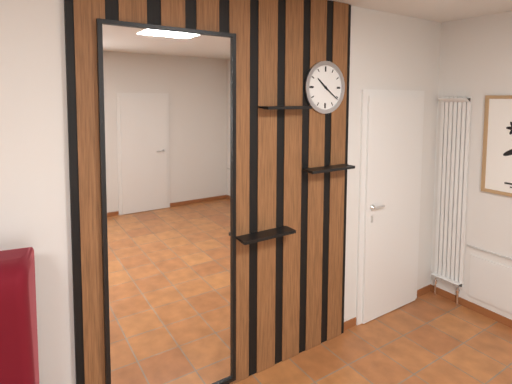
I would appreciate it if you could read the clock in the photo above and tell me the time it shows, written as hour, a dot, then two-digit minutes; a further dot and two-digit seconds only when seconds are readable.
10.21
